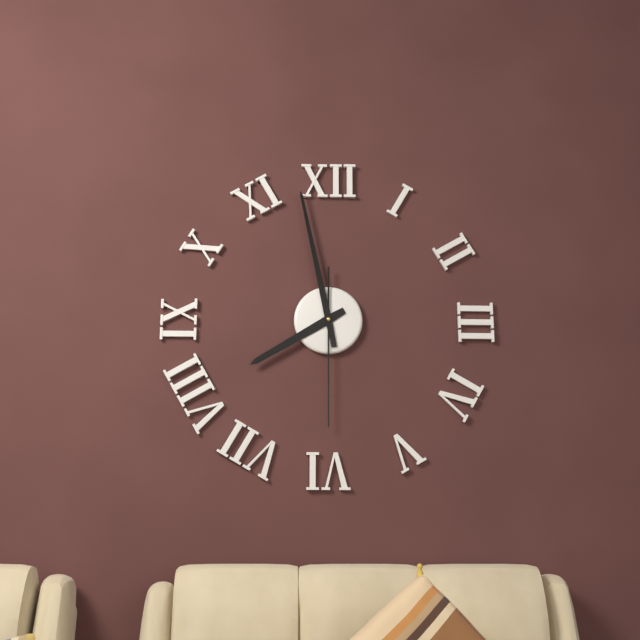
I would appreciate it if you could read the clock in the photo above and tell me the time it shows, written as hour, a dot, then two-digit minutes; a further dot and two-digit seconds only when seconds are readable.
7.58.30
